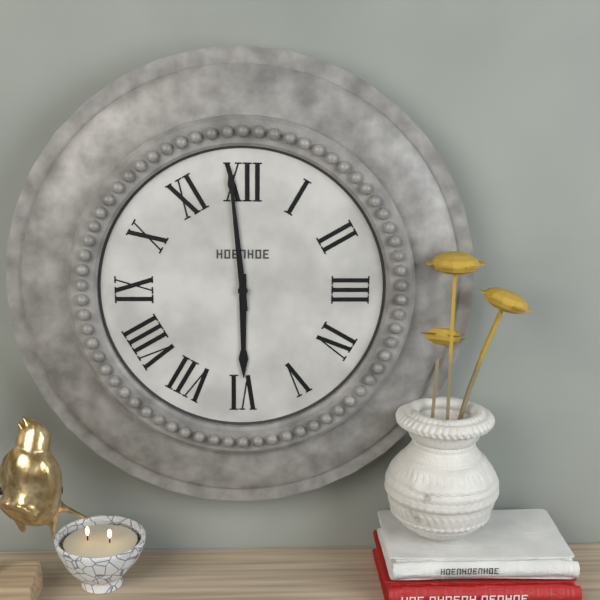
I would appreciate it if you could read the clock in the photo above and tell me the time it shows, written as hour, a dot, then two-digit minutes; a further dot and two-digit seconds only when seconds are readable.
5.59
